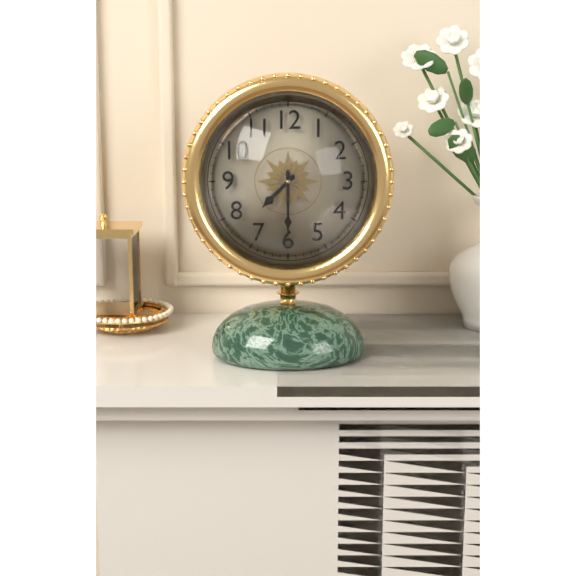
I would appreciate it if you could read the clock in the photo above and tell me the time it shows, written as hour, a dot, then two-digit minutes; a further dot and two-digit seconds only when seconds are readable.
7.30
